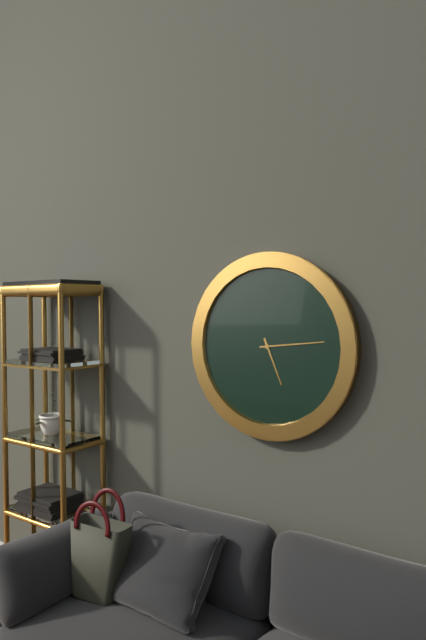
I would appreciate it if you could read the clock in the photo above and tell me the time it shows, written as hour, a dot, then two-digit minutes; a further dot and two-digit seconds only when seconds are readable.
5.14
